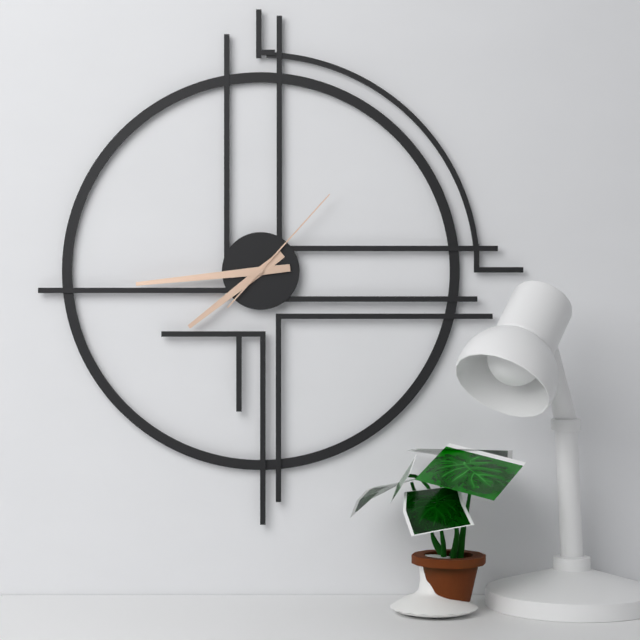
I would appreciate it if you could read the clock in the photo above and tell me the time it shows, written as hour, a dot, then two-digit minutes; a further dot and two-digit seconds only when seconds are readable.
7.44.07
